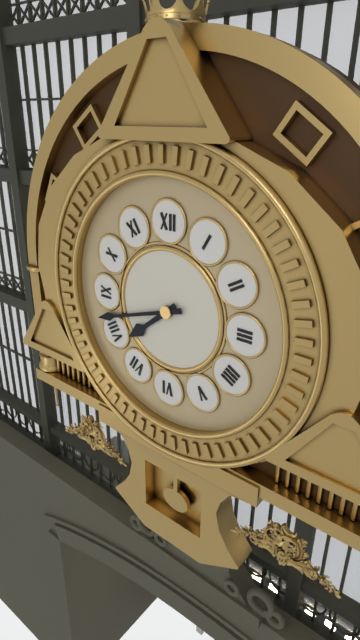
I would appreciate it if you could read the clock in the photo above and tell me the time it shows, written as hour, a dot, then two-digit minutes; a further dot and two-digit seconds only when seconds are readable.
7.42
